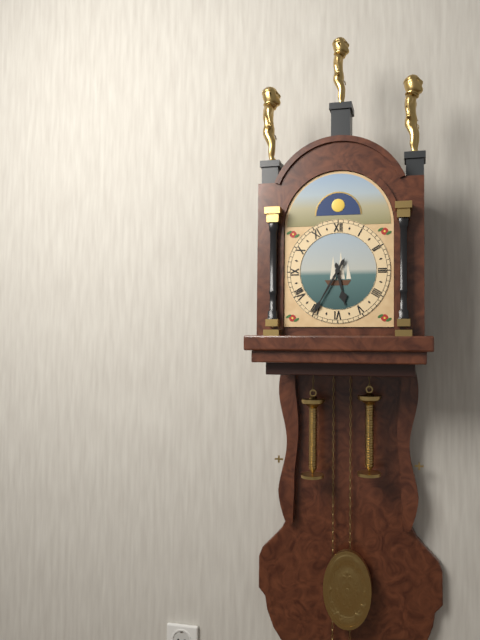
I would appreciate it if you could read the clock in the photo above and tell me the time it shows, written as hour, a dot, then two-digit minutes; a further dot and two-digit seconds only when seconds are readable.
5.35
